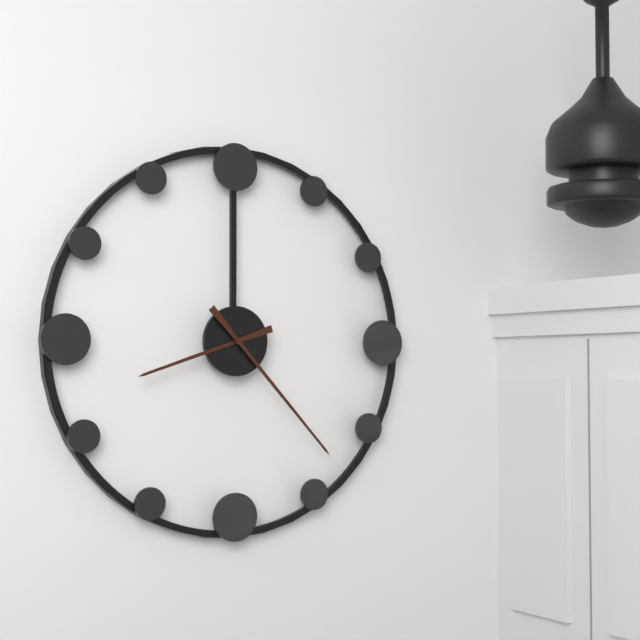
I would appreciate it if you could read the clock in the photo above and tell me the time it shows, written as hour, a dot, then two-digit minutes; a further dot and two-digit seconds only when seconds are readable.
8.23
